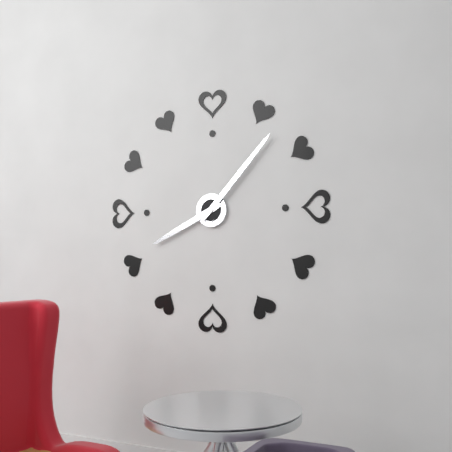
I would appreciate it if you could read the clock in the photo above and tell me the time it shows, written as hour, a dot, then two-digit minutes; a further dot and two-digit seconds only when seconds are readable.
8.07
